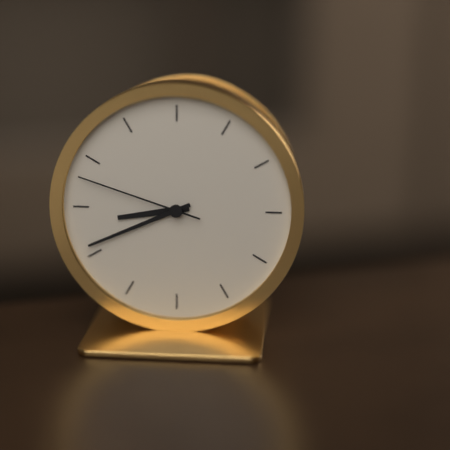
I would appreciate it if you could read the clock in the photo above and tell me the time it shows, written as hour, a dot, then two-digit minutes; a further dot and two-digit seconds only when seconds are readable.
8.41.48
